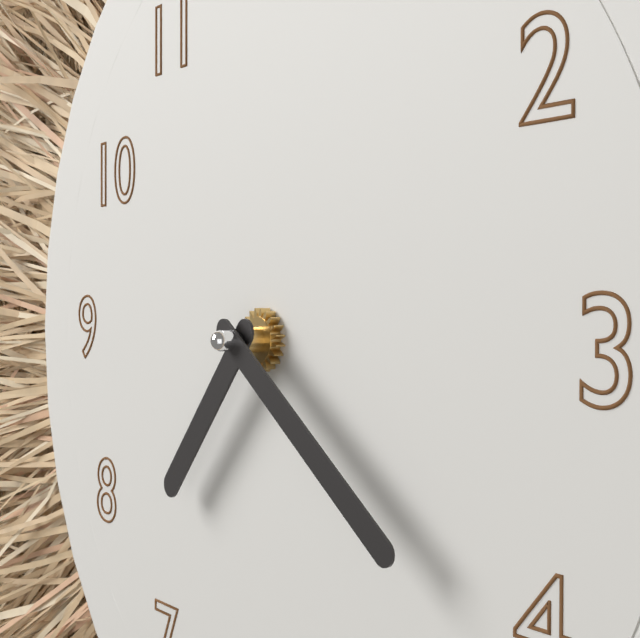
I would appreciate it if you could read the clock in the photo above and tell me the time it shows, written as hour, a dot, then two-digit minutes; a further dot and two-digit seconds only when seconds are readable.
7.21
